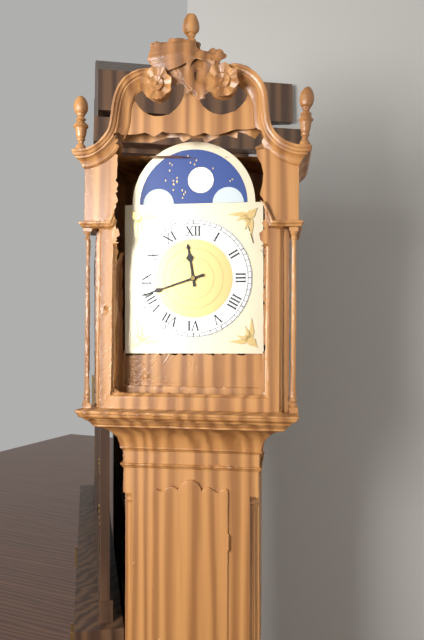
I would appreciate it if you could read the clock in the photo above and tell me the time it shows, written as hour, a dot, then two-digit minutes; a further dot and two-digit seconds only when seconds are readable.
11.42
